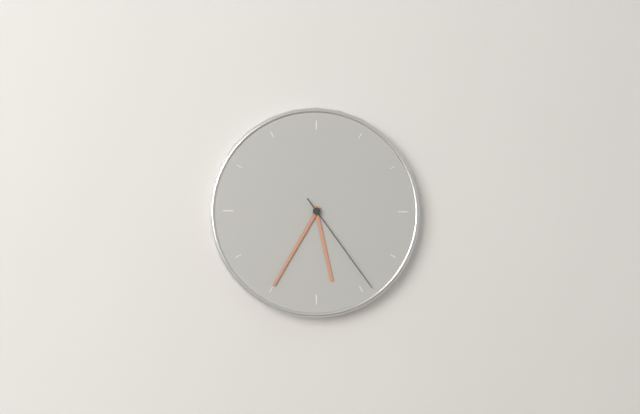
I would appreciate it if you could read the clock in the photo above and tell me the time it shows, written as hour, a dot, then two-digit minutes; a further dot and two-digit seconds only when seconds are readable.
5.35.24
